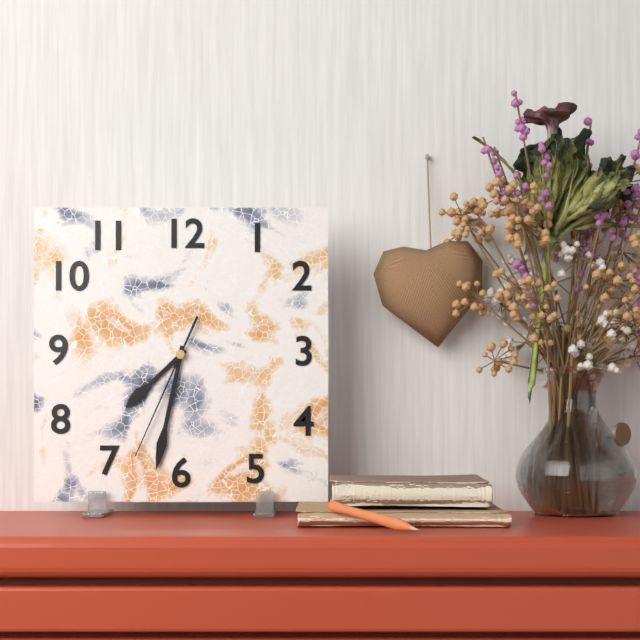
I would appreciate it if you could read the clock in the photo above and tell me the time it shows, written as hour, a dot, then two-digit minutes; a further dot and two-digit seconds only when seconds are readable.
7.32.34
